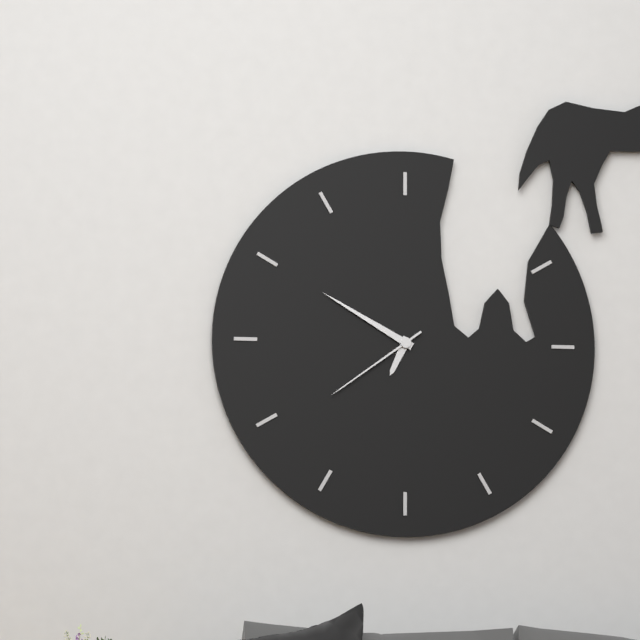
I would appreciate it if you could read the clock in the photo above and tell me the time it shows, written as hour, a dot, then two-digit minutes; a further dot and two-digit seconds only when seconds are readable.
6.50.39
